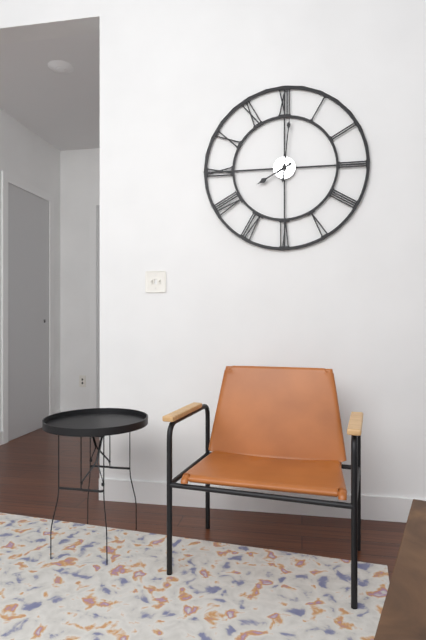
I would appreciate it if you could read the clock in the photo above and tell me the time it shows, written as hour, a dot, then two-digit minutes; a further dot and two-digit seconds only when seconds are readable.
8.01
